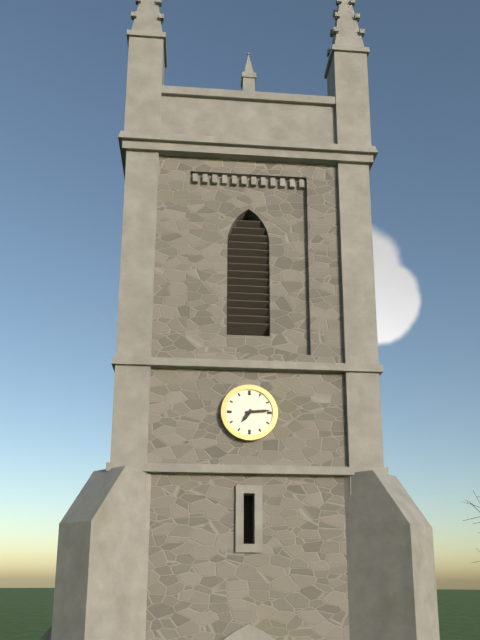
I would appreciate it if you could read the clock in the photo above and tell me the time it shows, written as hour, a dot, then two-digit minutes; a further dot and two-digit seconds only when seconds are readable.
7.14
